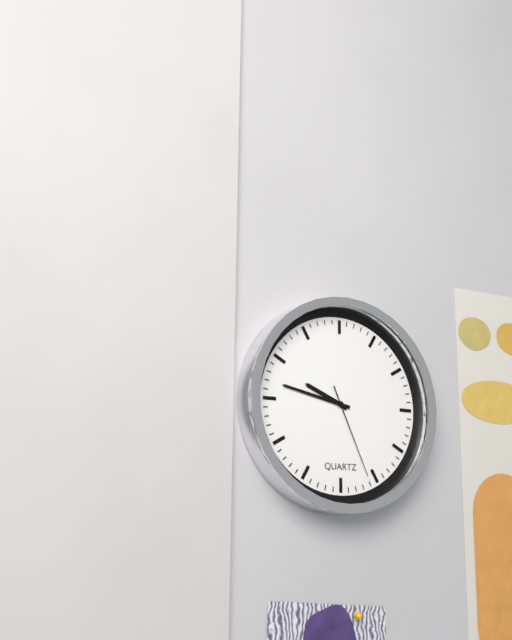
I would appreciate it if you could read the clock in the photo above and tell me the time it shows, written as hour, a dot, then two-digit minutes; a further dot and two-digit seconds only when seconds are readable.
9.47.26
